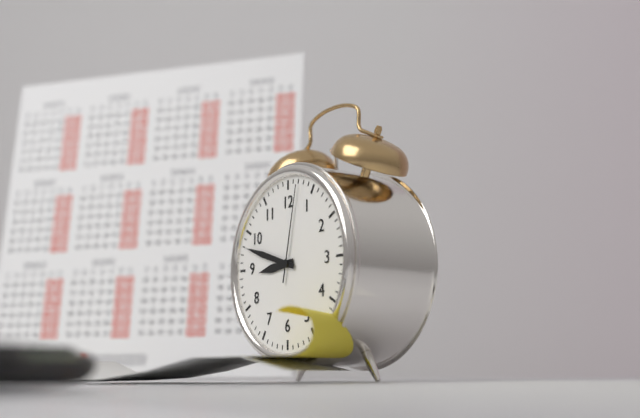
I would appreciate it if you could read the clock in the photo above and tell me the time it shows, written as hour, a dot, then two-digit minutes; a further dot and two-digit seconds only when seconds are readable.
8.48.02
